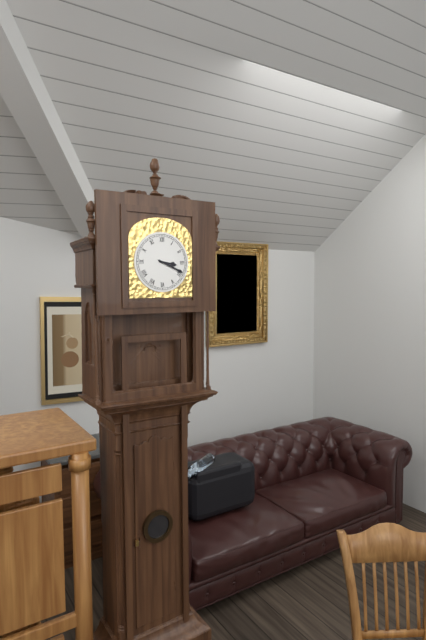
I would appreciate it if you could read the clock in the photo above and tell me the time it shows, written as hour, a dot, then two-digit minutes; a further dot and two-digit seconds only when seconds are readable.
3.19
